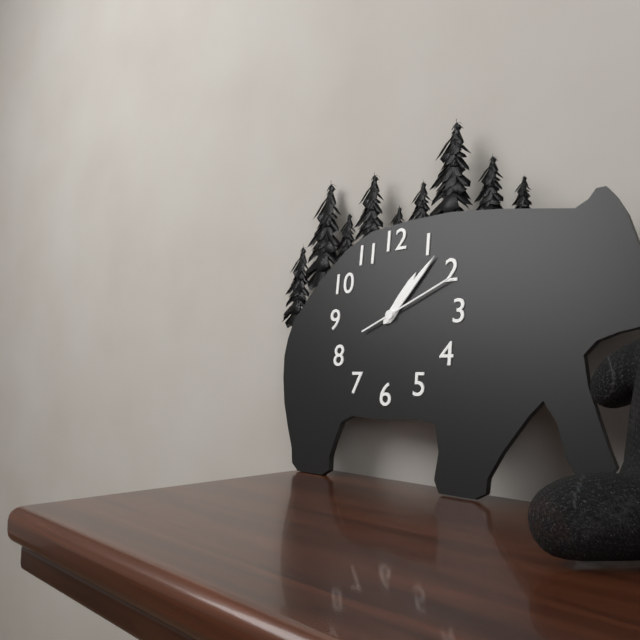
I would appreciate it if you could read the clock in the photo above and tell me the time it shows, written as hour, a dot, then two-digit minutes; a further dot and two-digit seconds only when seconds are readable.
1.07.11
